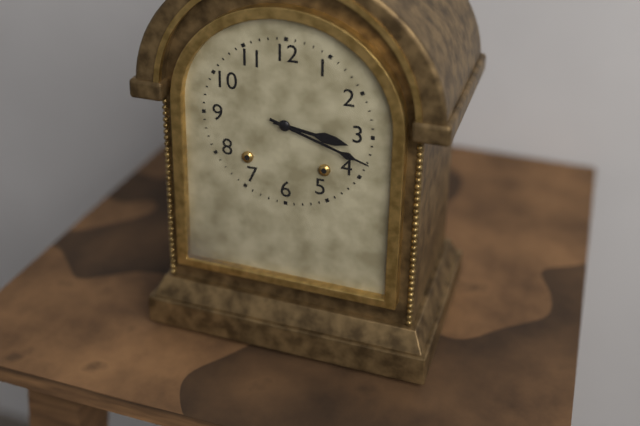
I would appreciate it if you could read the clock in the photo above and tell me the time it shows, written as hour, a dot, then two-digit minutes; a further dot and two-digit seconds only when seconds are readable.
3.18
